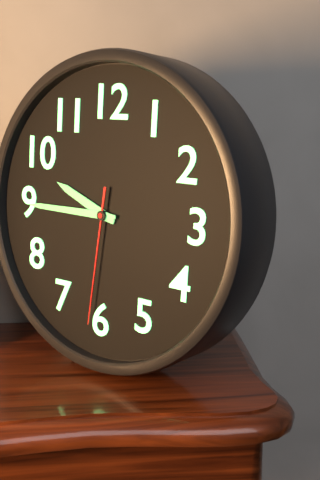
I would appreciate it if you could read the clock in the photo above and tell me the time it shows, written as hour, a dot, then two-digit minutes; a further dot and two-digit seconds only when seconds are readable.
9.45.31
